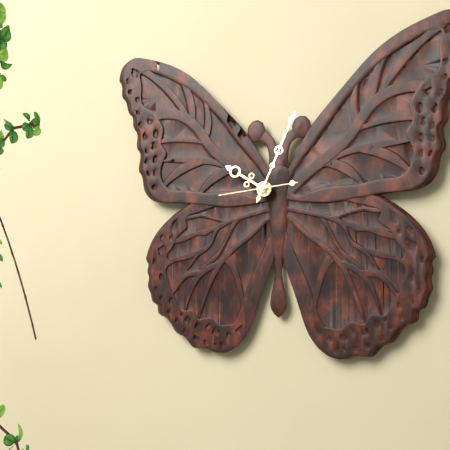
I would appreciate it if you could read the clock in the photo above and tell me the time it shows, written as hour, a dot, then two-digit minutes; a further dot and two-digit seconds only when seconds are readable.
10.04.44
